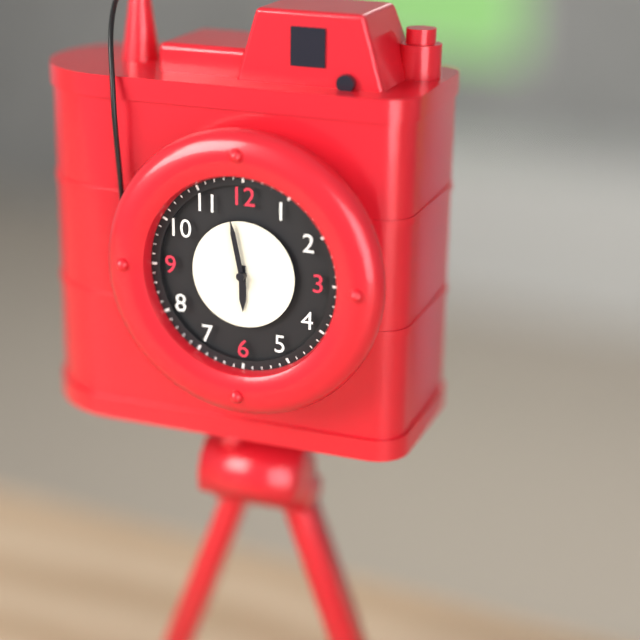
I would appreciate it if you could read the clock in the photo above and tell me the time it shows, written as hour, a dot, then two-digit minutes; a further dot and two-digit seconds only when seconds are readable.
5.58
